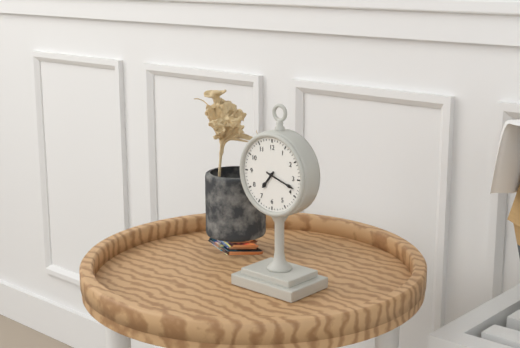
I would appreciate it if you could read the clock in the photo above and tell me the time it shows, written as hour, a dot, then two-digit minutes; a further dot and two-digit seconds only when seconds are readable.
7.18
